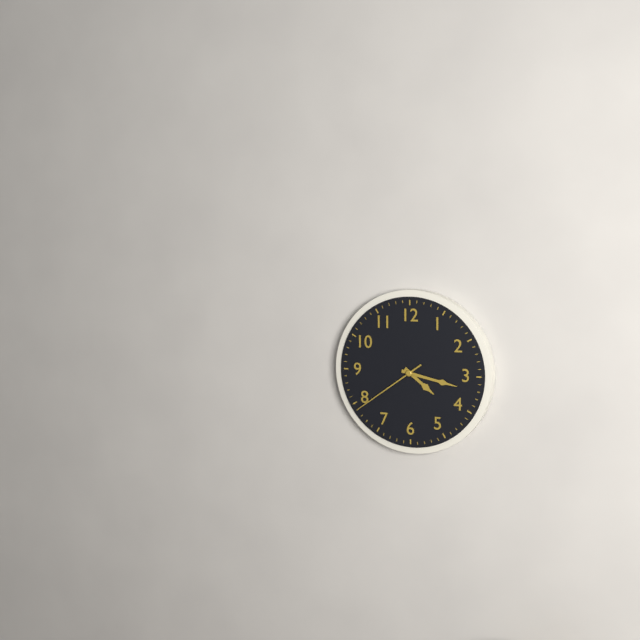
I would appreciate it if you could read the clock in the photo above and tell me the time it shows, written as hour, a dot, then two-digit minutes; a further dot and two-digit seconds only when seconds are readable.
4.17.39
